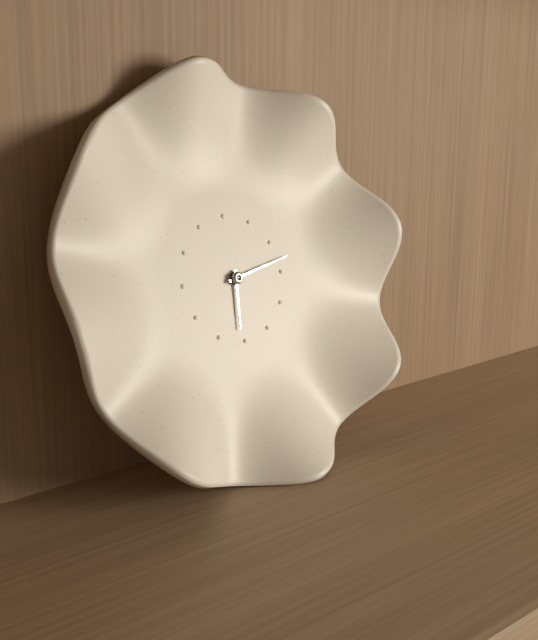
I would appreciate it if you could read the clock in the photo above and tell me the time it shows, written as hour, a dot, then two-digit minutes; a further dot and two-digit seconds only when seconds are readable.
6.13
